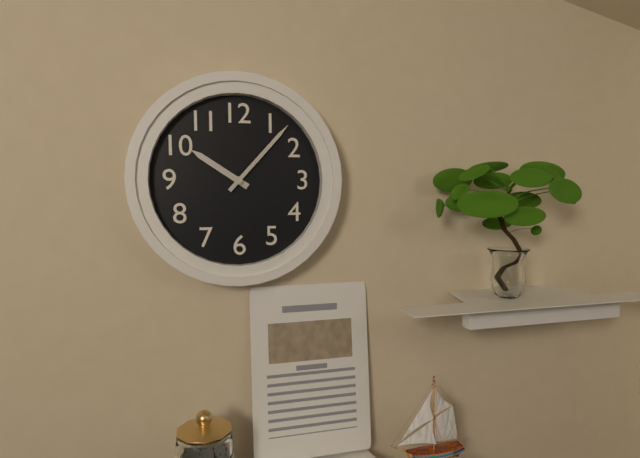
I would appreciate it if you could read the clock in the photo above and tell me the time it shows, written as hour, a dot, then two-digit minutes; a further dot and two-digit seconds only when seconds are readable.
10.07
